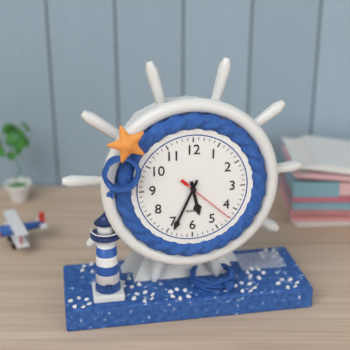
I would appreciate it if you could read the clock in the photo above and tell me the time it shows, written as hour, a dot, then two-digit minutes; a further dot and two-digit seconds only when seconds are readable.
5.34.22
